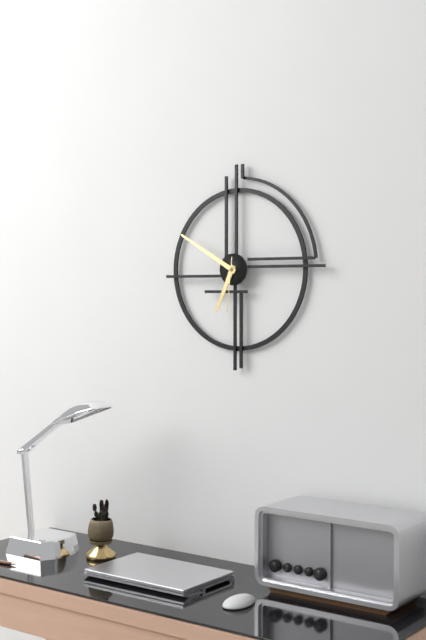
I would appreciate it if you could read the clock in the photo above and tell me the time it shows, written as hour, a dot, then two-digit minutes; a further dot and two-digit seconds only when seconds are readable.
6.50.31
